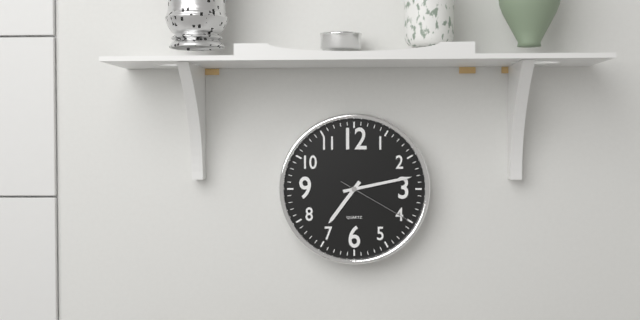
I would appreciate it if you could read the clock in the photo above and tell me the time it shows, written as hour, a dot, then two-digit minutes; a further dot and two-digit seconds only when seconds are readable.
7.13.20
